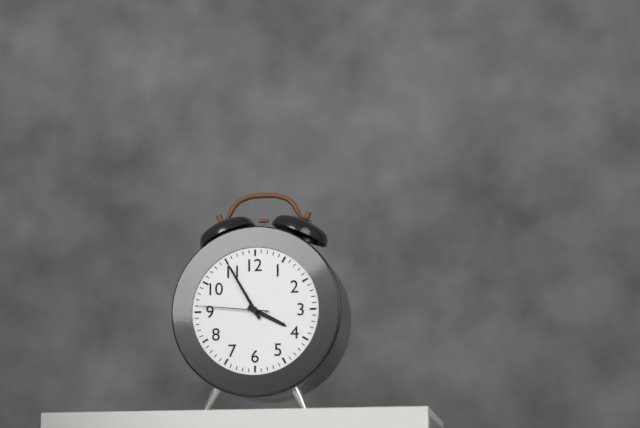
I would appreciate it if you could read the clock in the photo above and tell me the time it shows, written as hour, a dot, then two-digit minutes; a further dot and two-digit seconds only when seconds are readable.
3.55.46
